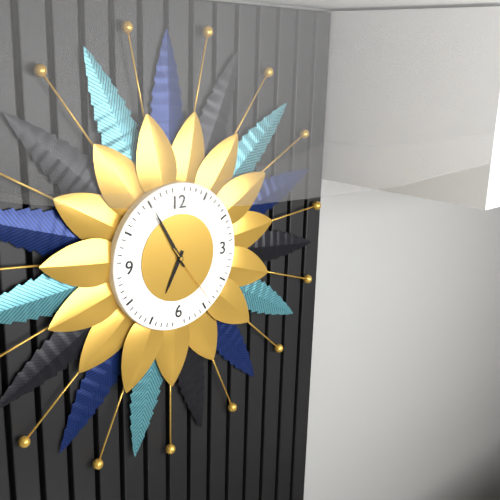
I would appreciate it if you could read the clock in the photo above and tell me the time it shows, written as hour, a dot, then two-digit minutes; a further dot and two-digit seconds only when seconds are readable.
6.55.24
